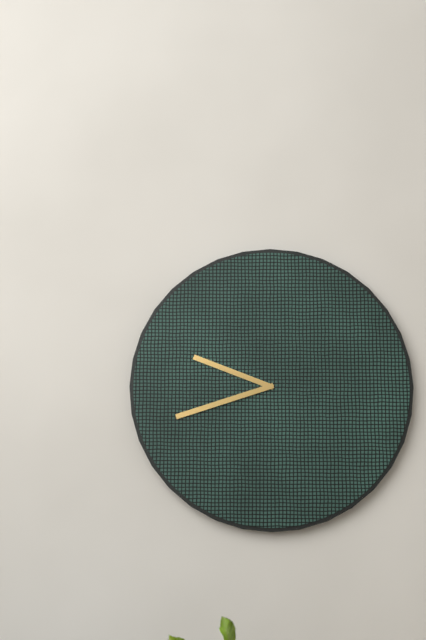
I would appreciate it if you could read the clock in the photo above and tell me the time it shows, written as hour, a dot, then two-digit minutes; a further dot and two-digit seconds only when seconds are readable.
9.42
